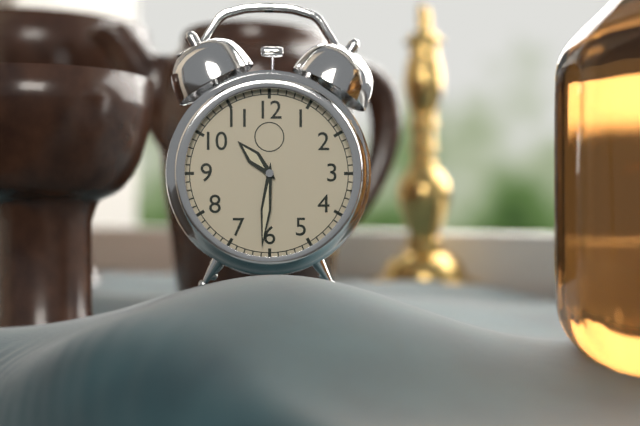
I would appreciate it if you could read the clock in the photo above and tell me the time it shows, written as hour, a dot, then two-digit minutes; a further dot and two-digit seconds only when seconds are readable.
10.31
